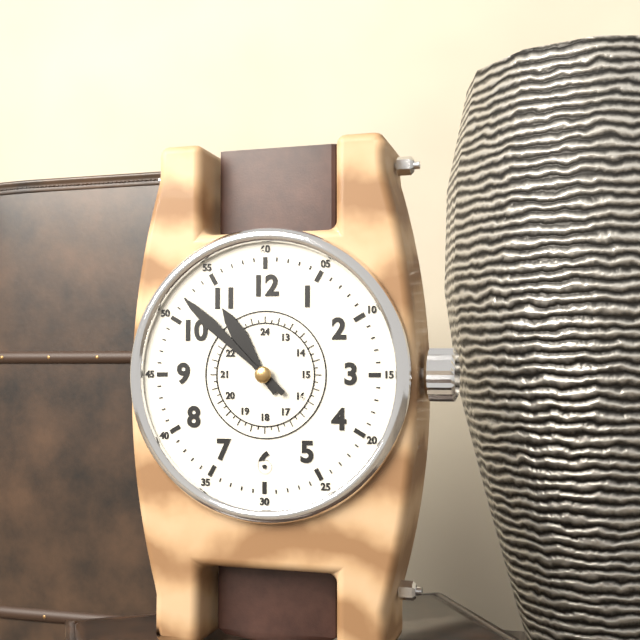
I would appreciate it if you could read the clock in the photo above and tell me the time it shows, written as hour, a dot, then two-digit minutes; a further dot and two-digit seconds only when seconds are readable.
10.52
